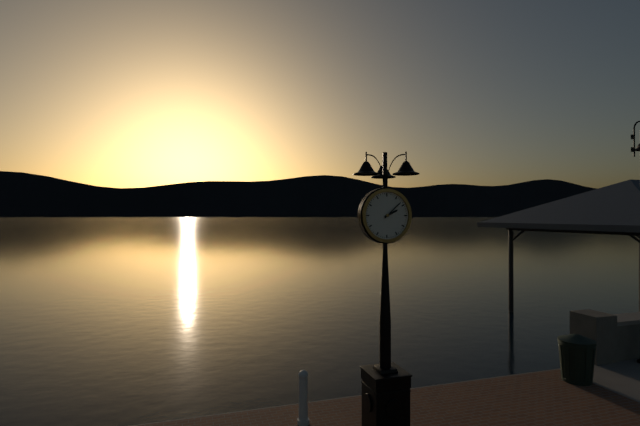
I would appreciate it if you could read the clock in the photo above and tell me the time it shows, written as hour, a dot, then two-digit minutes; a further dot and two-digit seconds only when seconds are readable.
2.08
